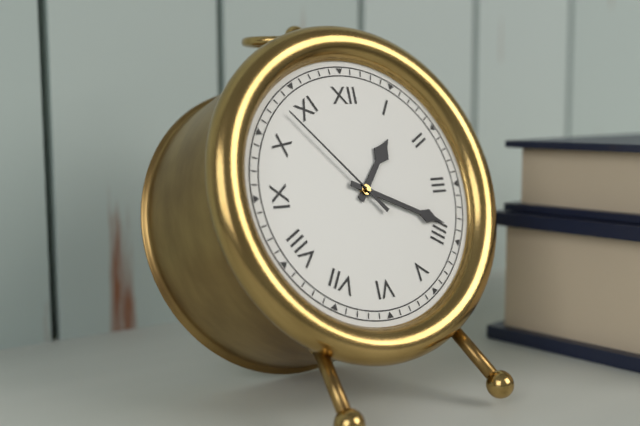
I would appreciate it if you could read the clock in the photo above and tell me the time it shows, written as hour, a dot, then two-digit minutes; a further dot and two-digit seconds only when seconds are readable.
1.19.53
